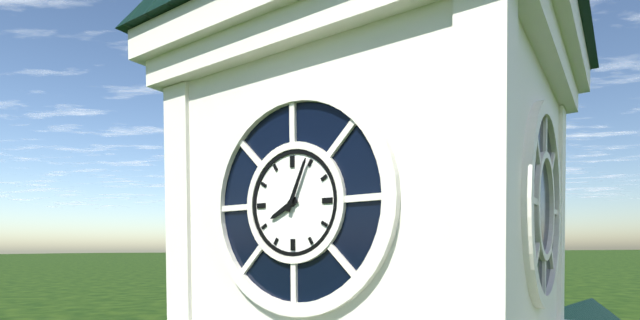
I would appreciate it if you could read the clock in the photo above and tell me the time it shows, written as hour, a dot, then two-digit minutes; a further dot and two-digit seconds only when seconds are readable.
8.04
